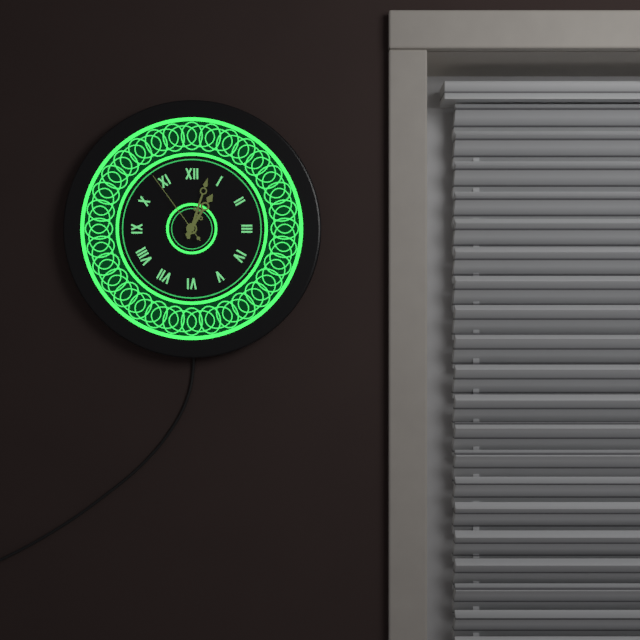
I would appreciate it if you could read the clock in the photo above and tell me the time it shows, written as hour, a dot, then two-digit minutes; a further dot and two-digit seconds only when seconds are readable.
1.03.54
